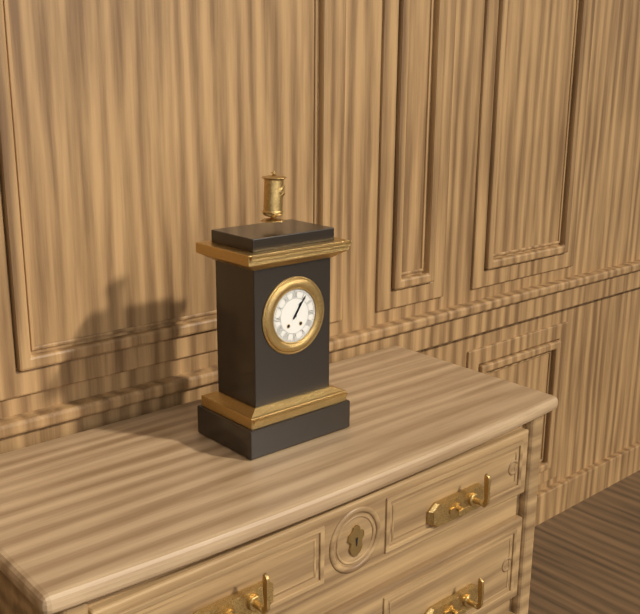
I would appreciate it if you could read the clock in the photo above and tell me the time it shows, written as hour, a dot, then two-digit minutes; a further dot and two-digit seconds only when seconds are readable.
1.06
